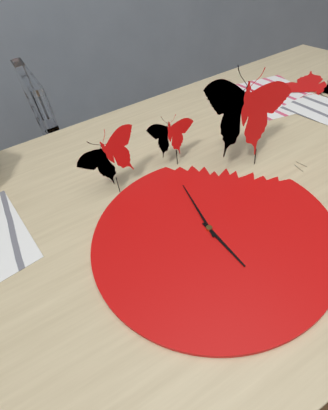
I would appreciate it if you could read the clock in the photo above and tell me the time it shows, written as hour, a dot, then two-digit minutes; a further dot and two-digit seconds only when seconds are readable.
6.02
